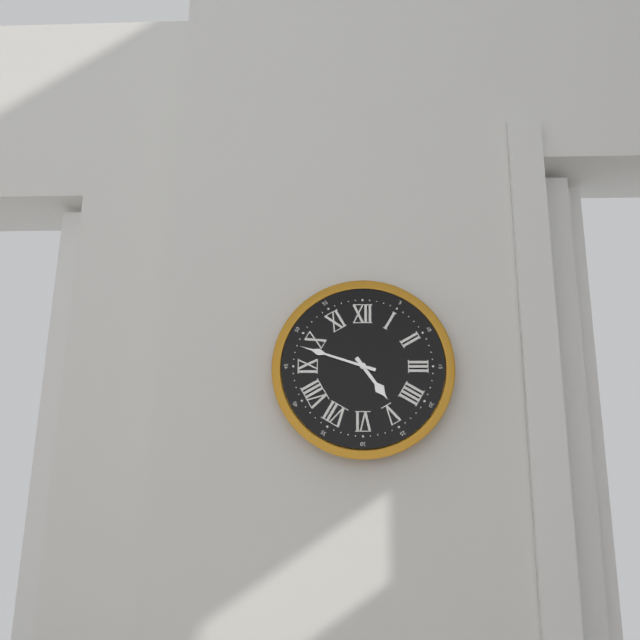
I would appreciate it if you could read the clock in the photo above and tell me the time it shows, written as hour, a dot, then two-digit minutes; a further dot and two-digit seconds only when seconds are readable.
4.48
